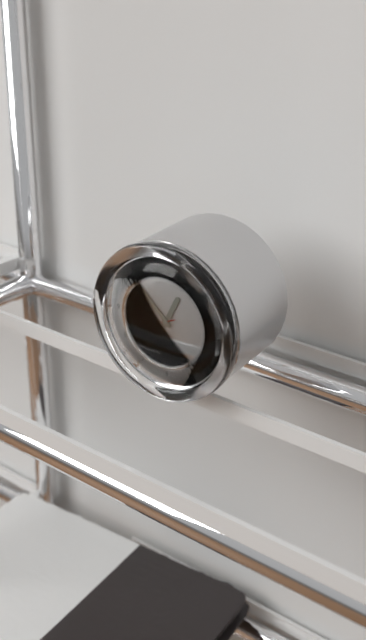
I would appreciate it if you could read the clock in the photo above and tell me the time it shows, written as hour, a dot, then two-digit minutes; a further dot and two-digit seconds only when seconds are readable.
12.52
